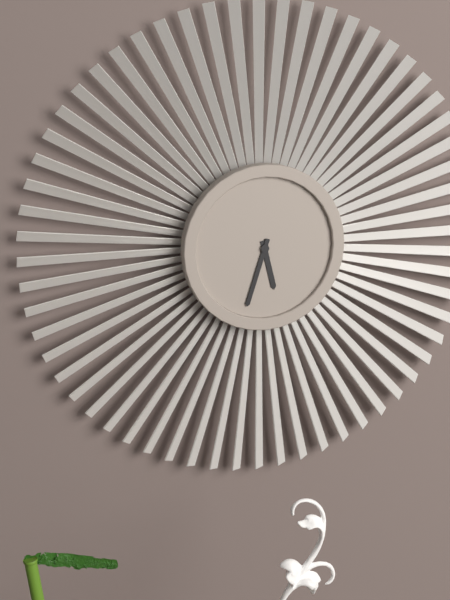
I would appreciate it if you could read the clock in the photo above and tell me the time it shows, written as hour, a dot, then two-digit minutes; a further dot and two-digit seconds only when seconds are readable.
5.33
